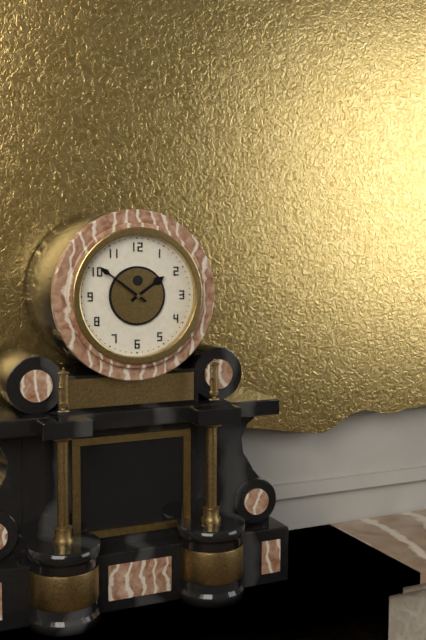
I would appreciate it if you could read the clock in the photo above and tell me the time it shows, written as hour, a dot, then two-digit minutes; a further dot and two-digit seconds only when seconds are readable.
1.51
